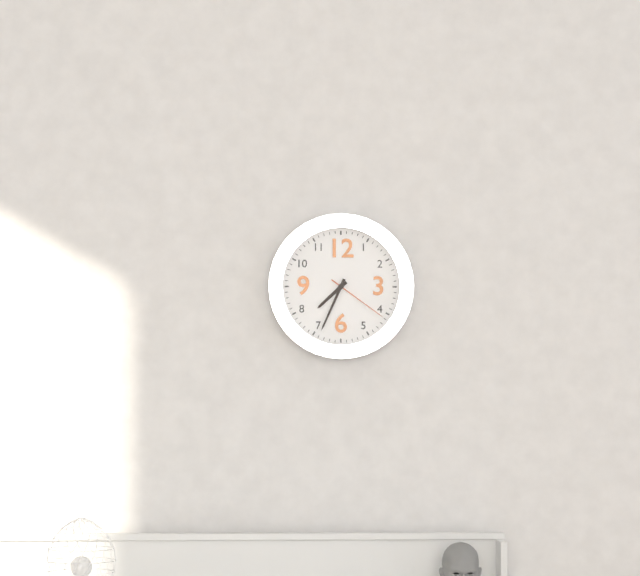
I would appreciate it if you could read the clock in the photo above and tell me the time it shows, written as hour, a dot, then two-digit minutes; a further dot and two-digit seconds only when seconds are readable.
7.34.21
